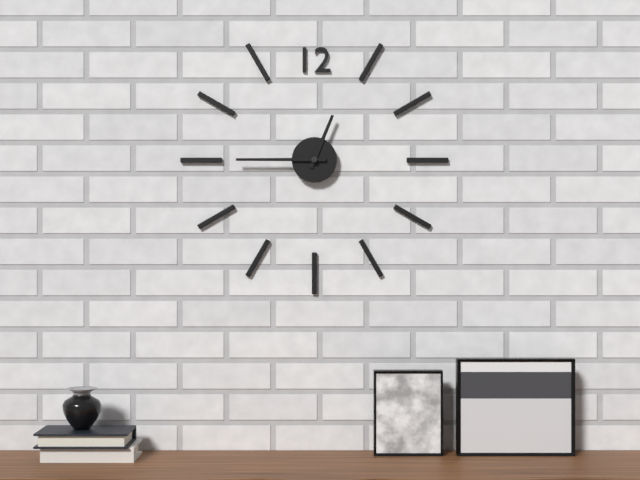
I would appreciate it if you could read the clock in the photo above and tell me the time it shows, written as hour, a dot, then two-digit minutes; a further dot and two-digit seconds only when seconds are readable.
12.45
